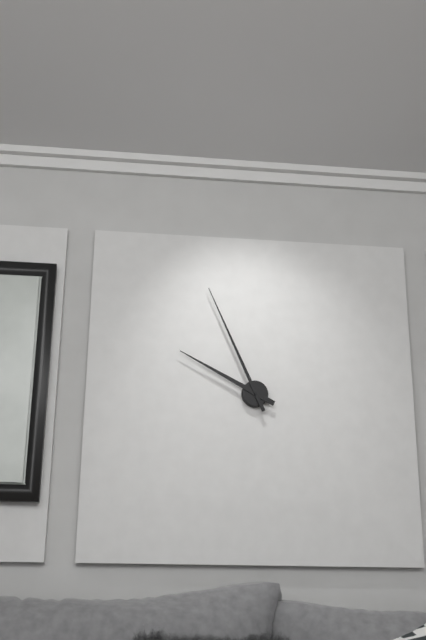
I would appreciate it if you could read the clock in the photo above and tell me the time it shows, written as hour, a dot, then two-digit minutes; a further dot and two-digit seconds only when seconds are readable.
9.56
